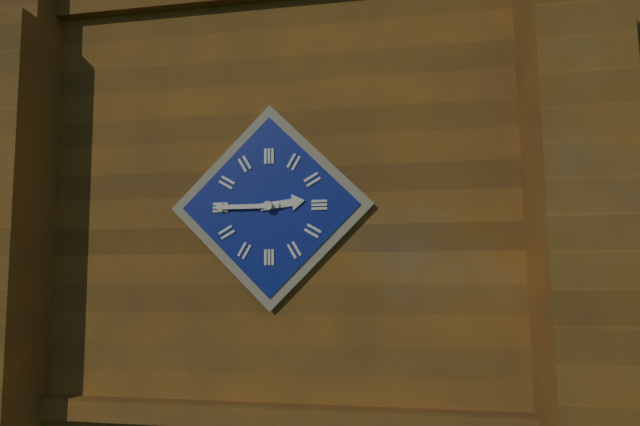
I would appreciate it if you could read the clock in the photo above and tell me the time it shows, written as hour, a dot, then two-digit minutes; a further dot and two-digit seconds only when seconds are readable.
2.45
